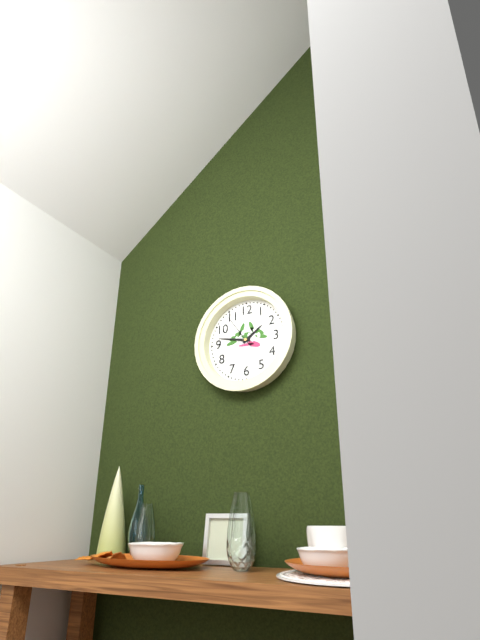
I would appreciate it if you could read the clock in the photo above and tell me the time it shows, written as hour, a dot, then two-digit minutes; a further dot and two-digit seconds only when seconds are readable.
1.47
